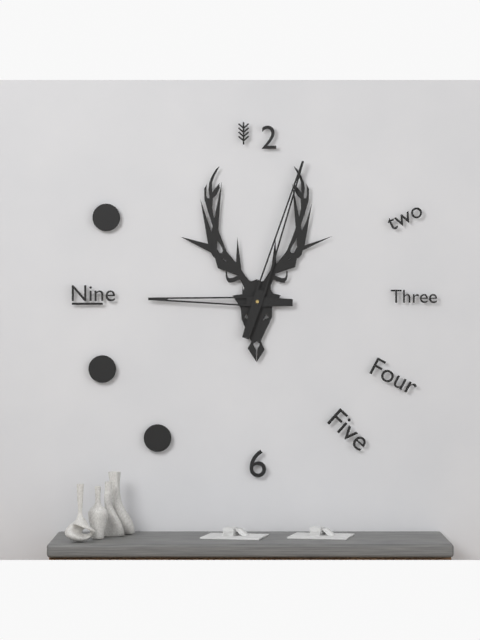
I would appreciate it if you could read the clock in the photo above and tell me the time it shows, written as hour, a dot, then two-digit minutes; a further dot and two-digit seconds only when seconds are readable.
9.03
